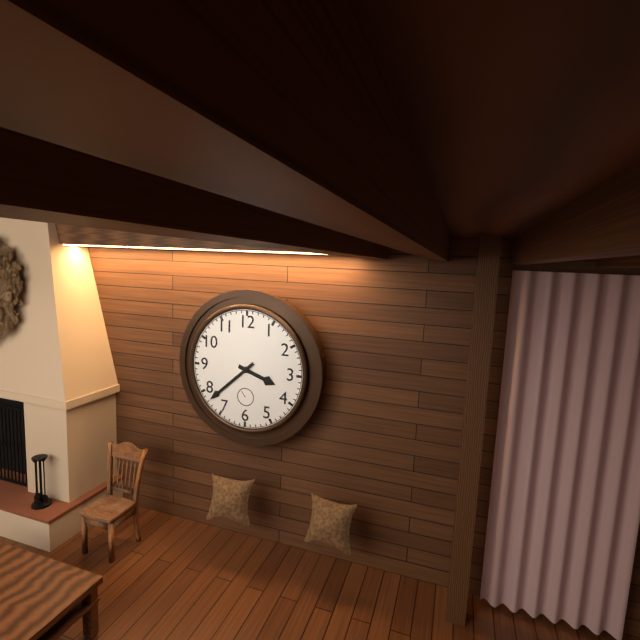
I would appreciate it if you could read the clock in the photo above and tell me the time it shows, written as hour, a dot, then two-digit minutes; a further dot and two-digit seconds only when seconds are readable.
3.38
